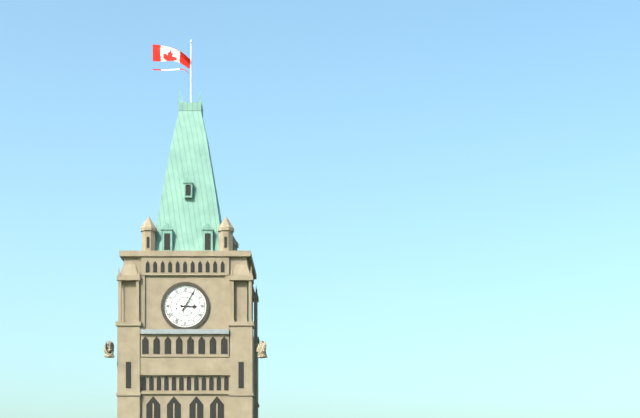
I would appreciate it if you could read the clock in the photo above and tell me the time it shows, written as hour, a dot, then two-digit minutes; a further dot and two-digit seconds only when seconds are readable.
3.05
